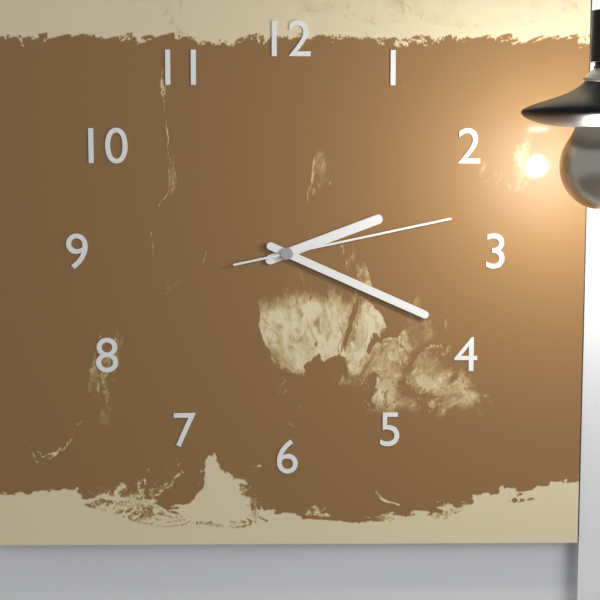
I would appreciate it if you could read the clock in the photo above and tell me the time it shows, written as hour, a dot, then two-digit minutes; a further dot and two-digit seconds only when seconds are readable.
2.19.13
